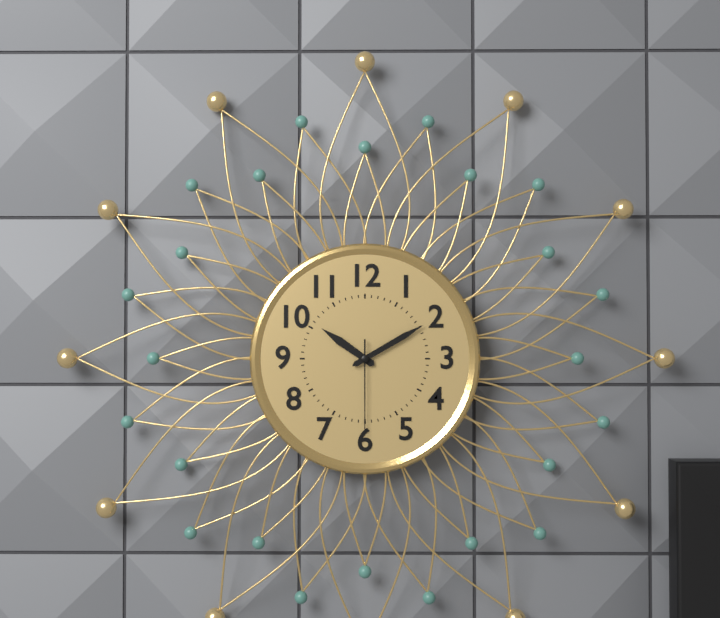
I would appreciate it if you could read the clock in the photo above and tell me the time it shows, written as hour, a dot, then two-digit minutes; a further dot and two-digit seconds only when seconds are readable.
10.10.30
